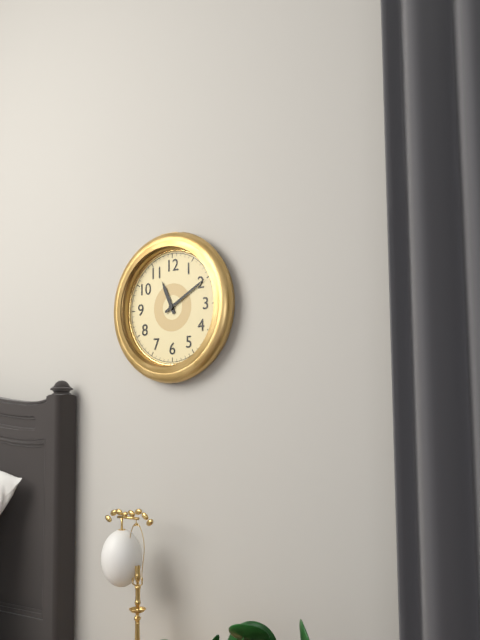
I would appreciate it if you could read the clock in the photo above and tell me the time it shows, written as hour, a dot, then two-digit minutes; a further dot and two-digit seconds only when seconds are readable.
11.10
